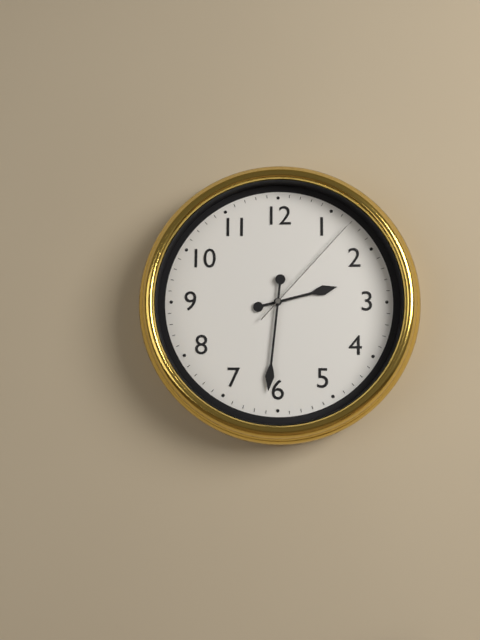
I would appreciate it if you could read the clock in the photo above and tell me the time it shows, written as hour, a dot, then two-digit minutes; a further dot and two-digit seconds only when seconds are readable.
2.31.07
